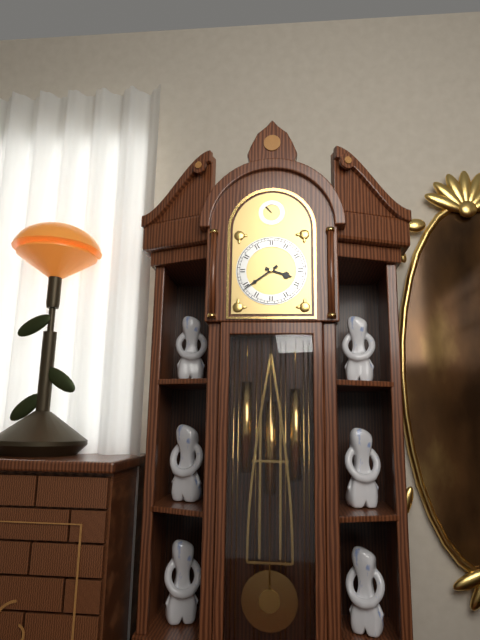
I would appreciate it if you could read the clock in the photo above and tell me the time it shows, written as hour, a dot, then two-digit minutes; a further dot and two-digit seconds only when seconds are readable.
3.39
